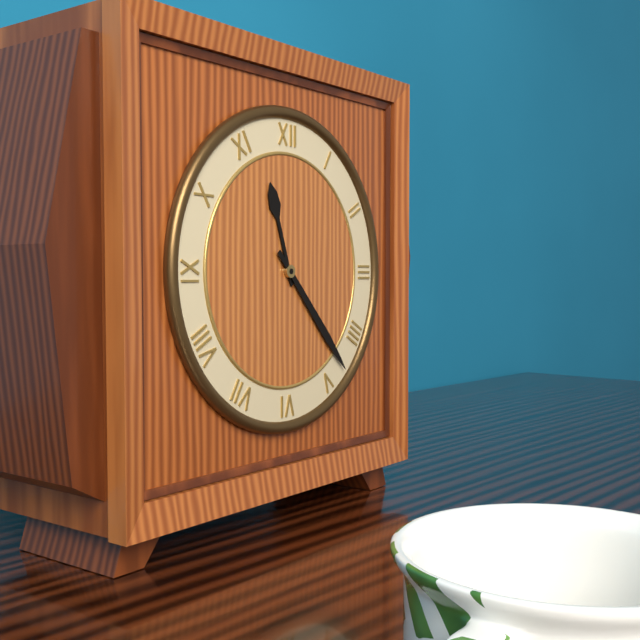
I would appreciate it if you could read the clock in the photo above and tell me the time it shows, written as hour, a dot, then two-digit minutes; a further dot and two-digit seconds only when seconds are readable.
11.23
